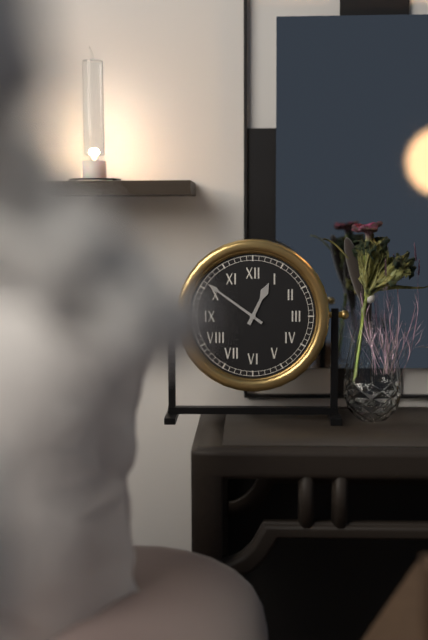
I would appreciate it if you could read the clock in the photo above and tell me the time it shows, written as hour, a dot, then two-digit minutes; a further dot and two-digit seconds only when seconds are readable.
12.51
